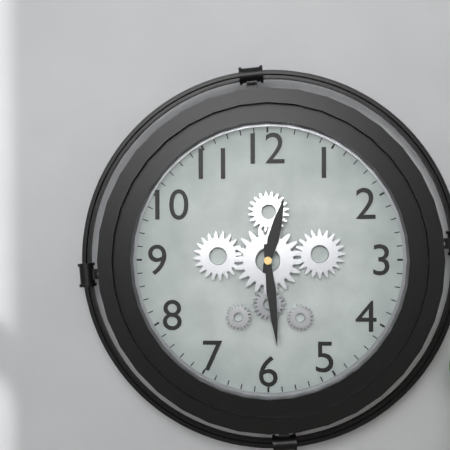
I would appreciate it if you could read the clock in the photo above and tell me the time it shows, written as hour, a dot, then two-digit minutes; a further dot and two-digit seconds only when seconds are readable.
12.29
